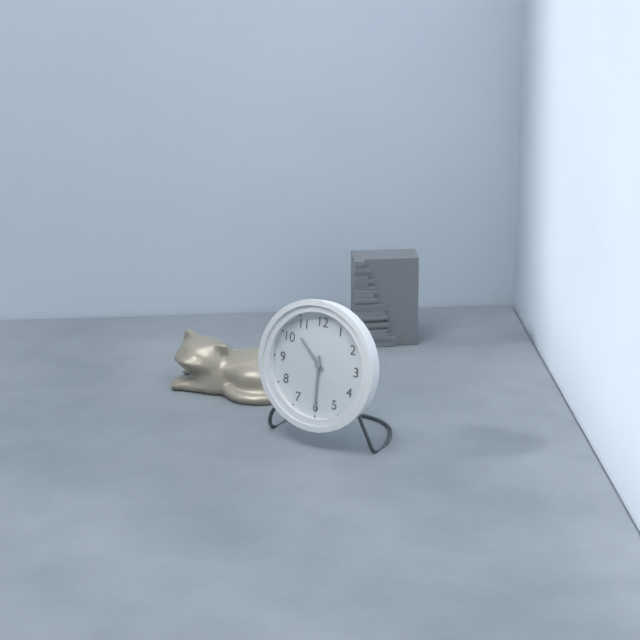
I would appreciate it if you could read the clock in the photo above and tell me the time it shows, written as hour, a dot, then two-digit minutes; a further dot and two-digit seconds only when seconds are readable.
10.30
